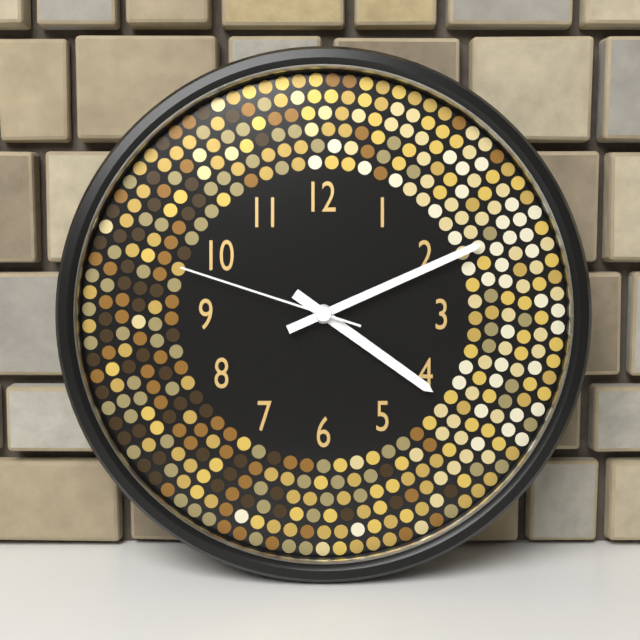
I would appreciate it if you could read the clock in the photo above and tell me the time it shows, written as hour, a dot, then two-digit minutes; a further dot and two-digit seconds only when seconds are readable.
4.11.48
